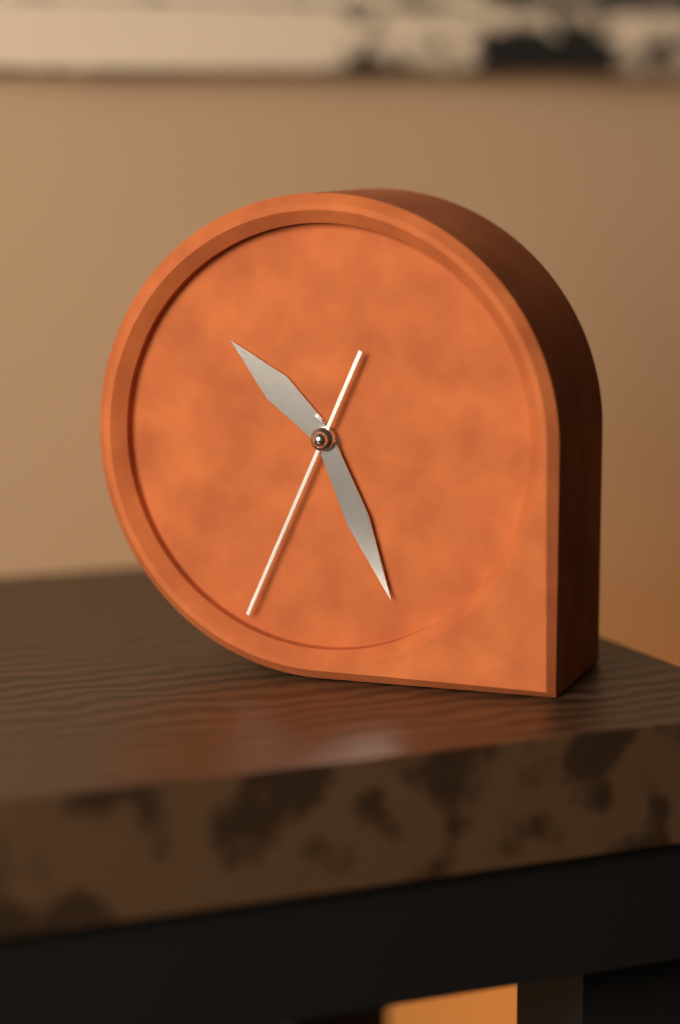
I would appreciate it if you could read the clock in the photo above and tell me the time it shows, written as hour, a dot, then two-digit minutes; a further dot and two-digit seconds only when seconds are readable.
10.26.34
